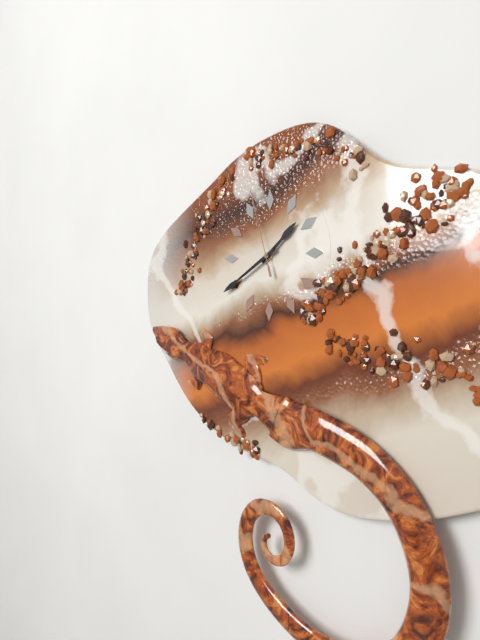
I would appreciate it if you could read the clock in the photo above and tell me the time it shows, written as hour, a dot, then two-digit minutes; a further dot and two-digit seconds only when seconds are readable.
1.40.57
